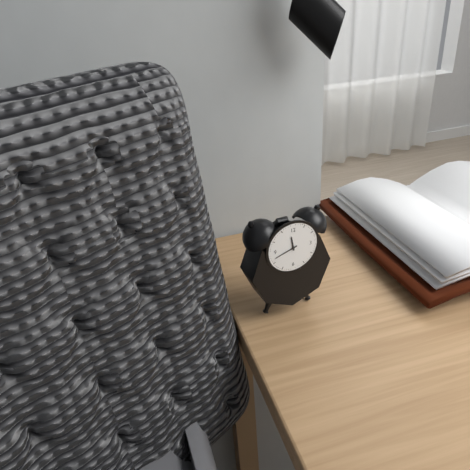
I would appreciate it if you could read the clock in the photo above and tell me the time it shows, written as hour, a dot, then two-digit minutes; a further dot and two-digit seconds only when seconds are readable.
11.42
